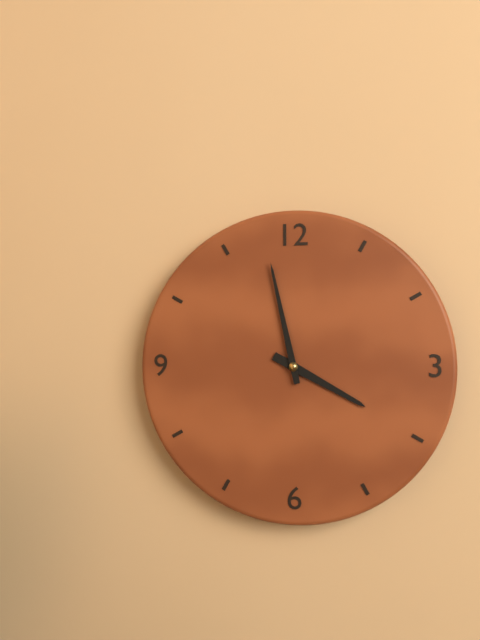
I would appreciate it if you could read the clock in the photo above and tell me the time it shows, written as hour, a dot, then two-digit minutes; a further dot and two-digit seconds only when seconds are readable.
3.58
